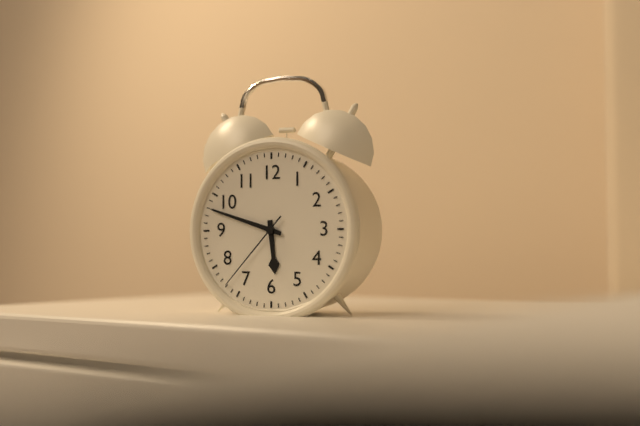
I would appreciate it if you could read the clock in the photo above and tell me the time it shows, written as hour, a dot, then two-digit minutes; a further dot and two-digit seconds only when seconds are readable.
5.48.37
